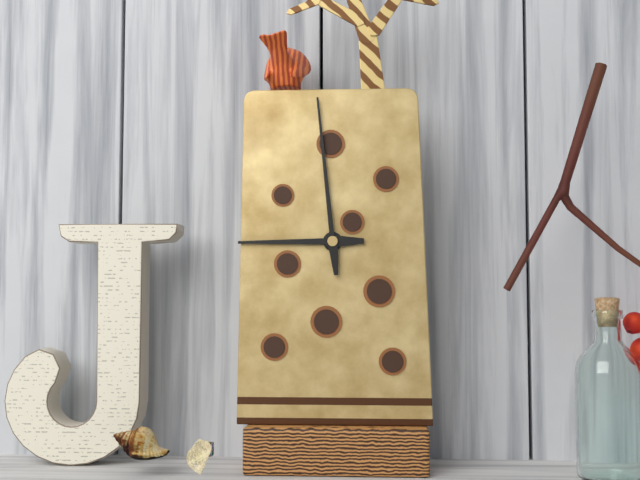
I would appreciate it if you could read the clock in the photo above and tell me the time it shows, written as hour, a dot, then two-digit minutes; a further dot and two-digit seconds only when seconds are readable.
8.59
